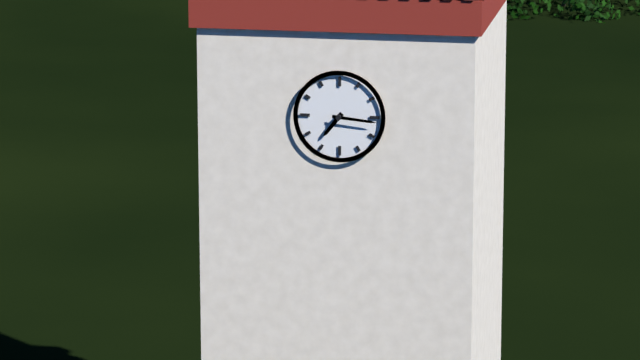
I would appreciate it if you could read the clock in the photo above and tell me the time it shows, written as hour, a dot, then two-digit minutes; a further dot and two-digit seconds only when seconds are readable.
7.16
